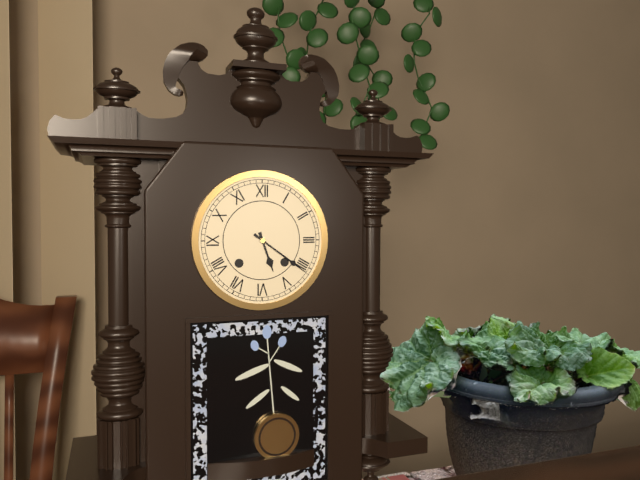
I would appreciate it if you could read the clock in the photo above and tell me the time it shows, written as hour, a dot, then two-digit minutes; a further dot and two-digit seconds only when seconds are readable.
5.21
